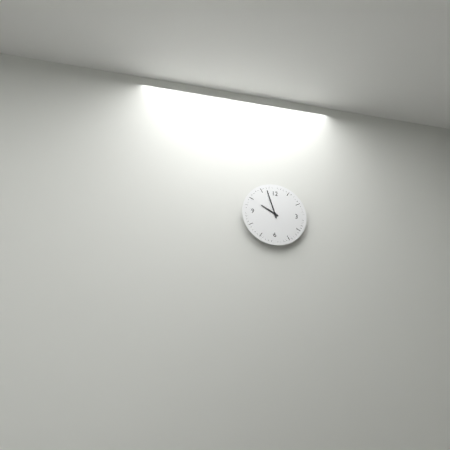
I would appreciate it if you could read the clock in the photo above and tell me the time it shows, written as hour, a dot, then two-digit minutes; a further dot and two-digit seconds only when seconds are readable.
9.57
